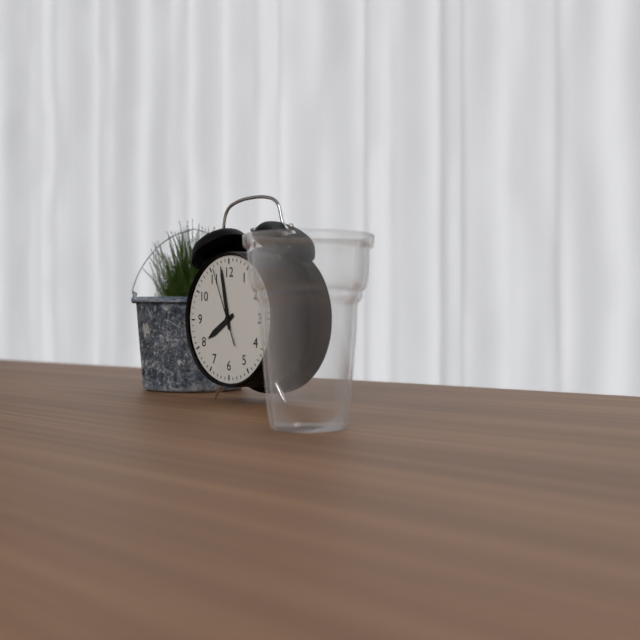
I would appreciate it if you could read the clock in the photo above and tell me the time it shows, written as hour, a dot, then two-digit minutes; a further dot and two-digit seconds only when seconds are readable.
7.58.56
